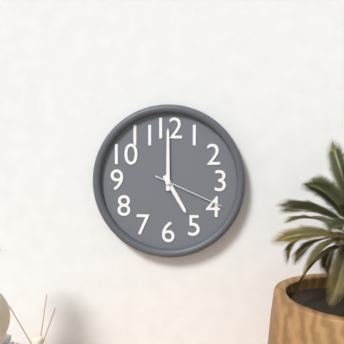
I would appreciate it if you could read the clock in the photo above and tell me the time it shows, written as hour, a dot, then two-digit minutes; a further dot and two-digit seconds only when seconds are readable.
5.00.19
